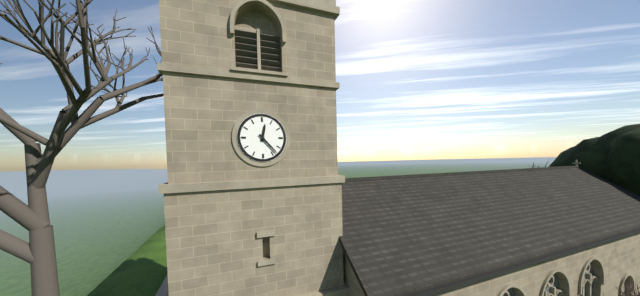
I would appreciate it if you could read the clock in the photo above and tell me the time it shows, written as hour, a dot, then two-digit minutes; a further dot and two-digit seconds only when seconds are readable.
12.23
